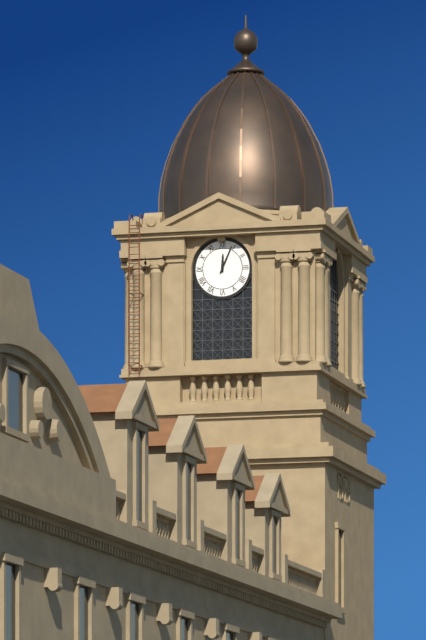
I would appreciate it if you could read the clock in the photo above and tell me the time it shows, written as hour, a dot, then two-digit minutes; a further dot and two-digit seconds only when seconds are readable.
12.04
